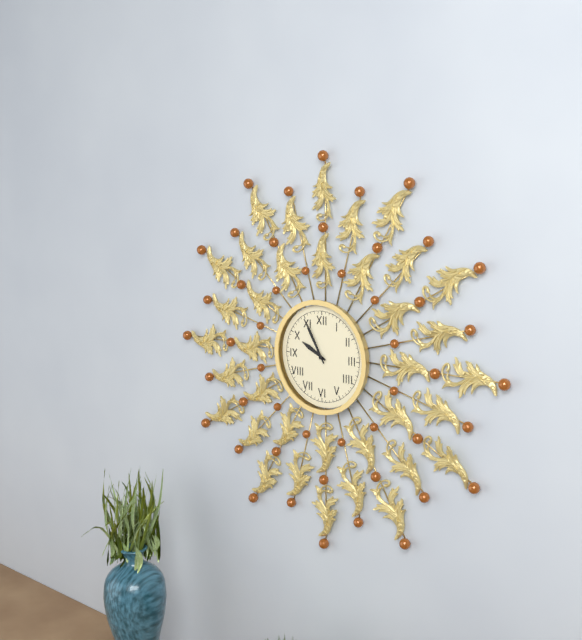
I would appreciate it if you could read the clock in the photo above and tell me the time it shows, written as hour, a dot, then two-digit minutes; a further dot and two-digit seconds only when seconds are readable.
9.55
